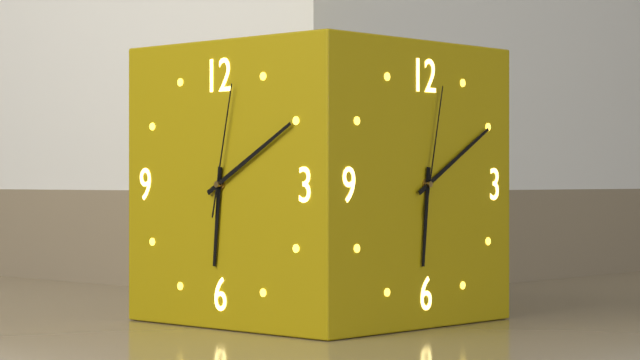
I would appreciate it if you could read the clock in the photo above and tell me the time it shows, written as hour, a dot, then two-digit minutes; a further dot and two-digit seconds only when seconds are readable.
6.10.02
